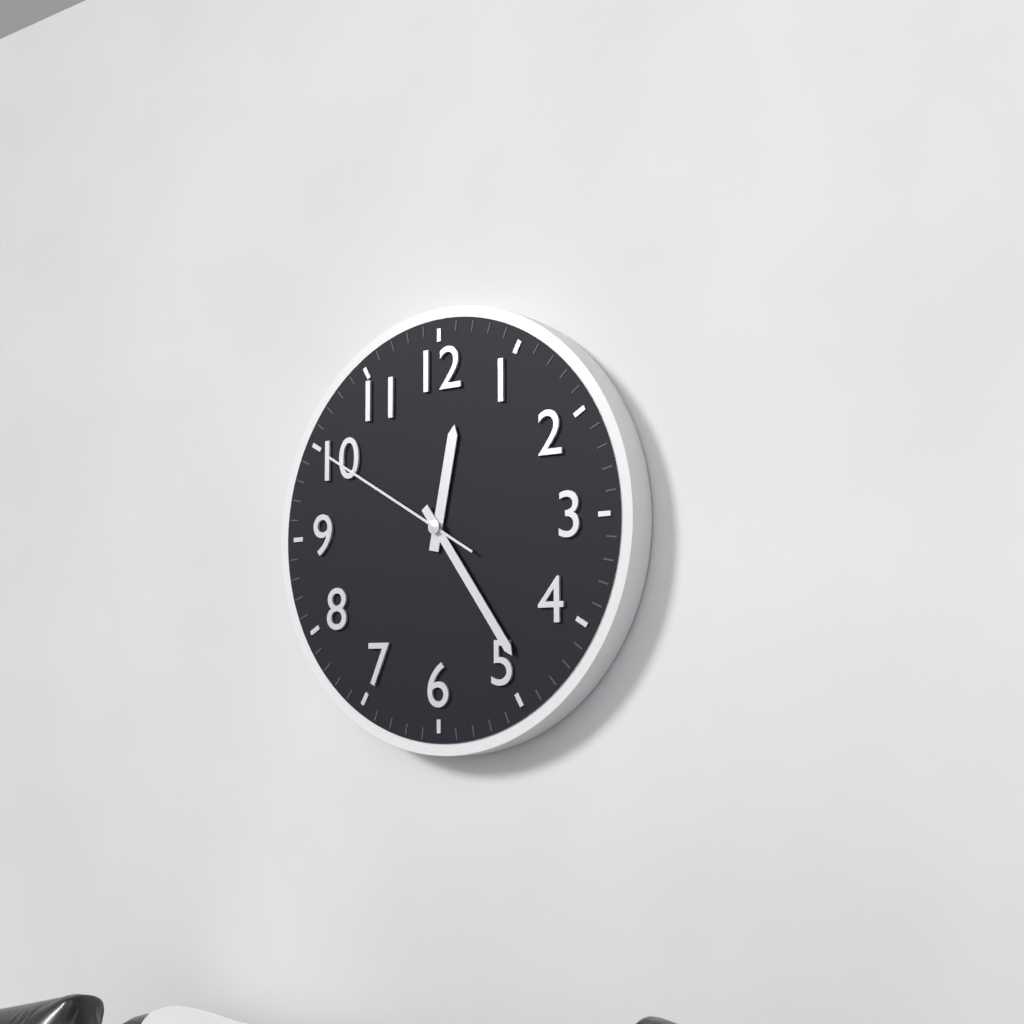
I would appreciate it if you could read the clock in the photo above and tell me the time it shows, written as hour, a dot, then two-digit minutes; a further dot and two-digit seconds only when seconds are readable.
12.24.50
